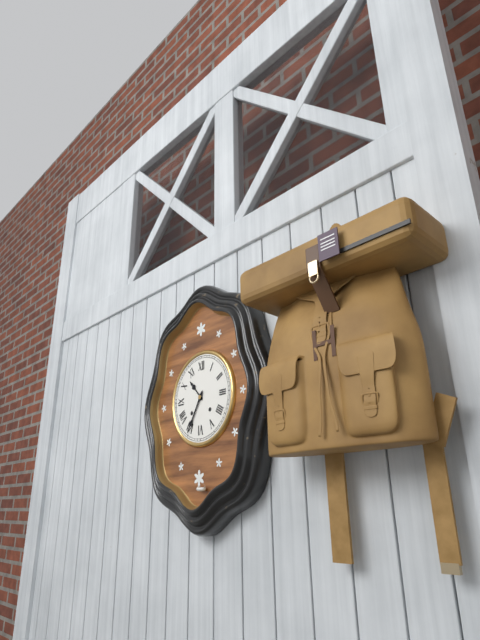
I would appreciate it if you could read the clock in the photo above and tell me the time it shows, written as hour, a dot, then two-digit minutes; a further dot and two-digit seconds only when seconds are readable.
10.35
